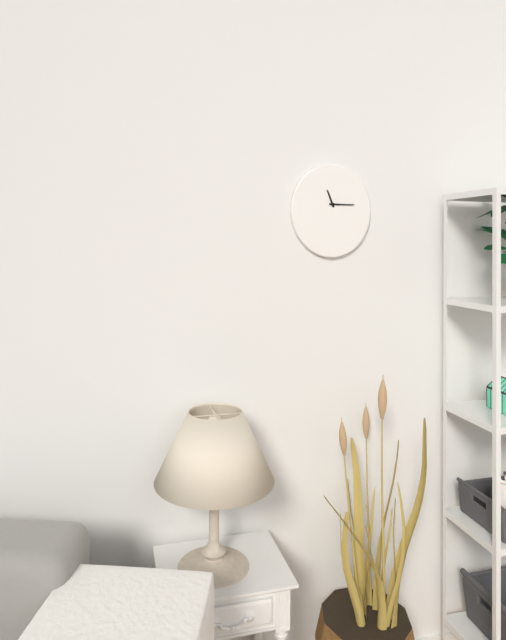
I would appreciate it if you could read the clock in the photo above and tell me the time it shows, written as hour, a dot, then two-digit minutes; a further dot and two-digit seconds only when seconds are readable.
11.15
